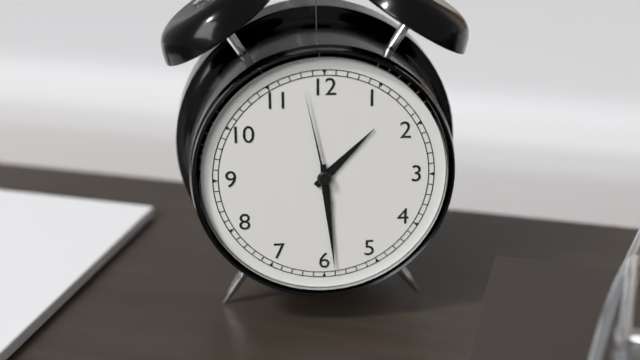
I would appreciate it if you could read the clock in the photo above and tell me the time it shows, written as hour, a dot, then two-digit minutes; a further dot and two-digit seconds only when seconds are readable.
1.29.58
